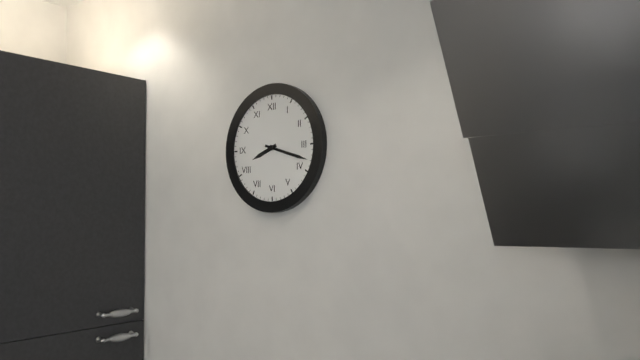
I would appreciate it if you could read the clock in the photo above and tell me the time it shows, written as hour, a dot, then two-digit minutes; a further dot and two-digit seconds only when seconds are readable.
8.18
